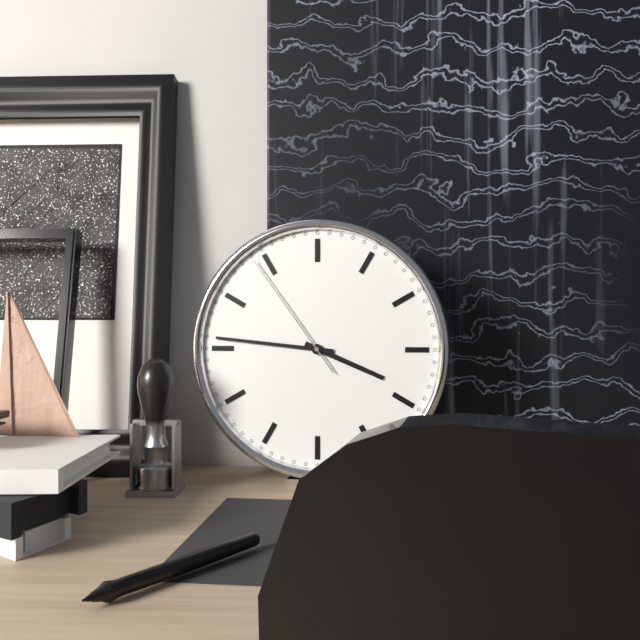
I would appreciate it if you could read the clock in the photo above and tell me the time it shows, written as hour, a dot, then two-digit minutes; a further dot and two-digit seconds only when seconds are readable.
3.46.54
